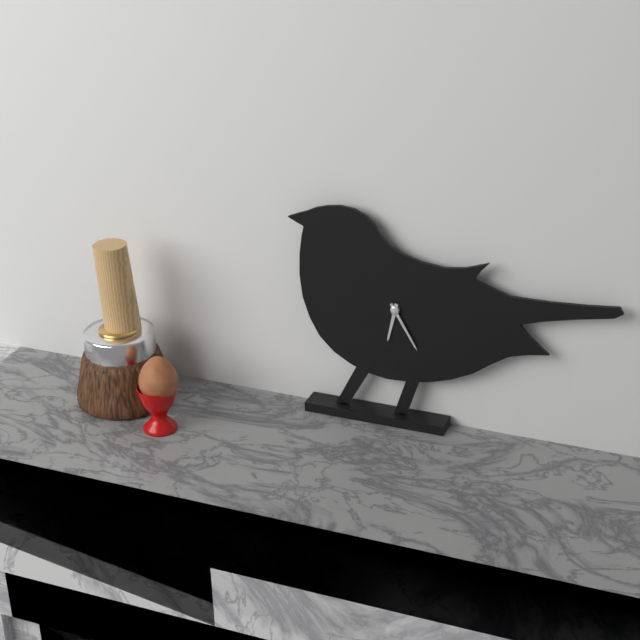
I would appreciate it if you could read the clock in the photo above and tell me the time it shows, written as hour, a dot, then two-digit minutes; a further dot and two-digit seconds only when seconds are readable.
6.25
